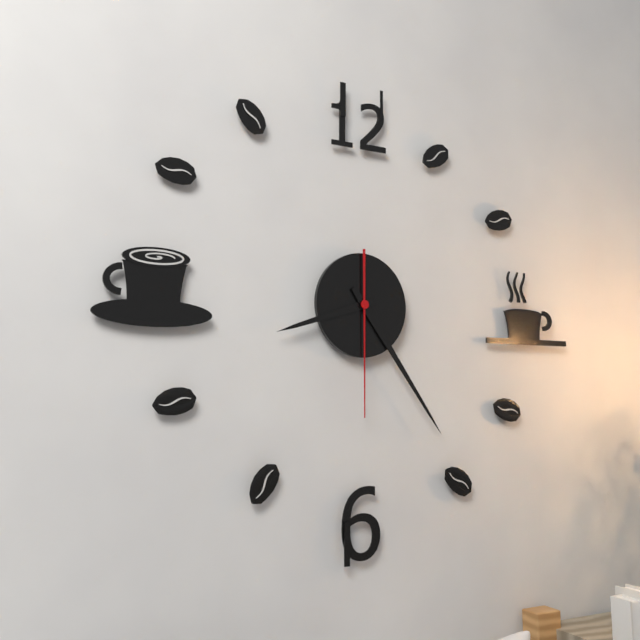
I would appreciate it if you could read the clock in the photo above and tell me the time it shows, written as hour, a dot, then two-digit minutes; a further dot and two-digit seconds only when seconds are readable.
8.24.30
